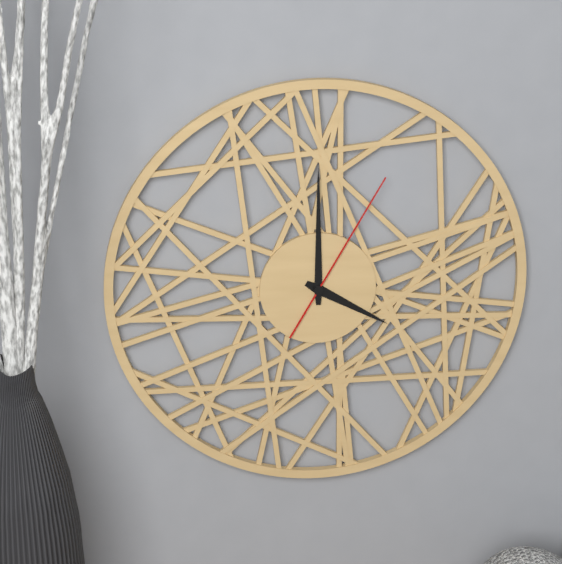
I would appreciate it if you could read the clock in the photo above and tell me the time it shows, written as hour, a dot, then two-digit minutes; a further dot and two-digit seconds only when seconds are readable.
4.00.05
